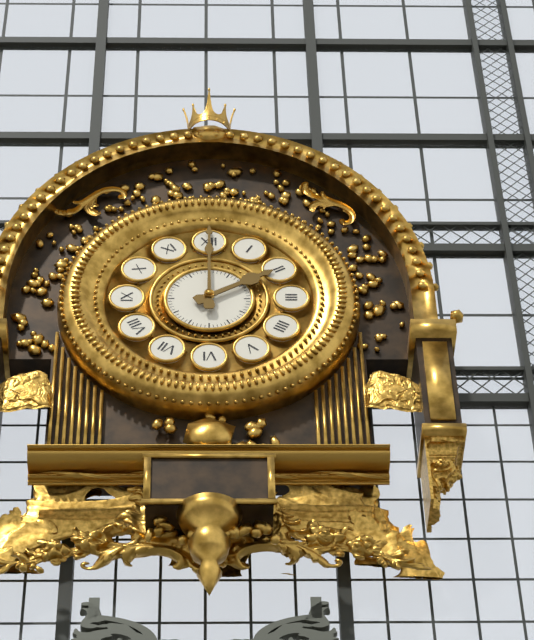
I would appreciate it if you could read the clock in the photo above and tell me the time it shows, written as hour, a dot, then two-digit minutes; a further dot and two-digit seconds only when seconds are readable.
2.00
